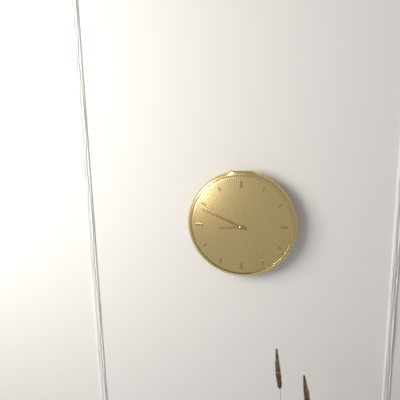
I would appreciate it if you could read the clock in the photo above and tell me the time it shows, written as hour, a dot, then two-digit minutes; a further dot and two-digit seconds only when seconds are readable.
8.49
